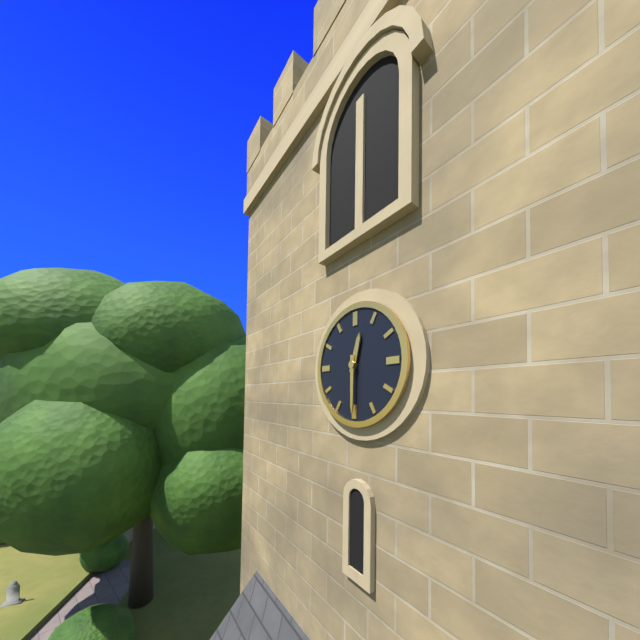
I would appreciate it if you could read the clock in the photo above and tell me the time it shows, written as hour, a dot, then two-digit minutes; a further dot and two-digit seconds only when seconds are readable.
12.30
